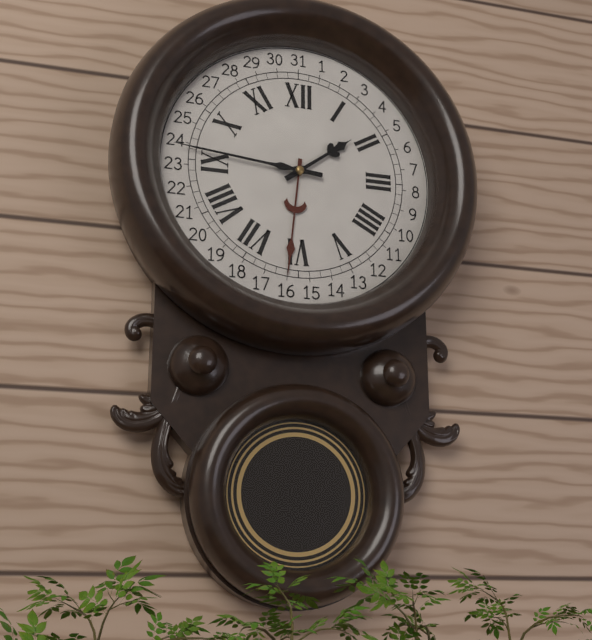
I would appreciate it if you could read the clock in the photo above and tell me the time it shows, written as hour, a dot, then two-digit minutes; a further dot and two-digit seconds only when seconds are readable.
1.46
